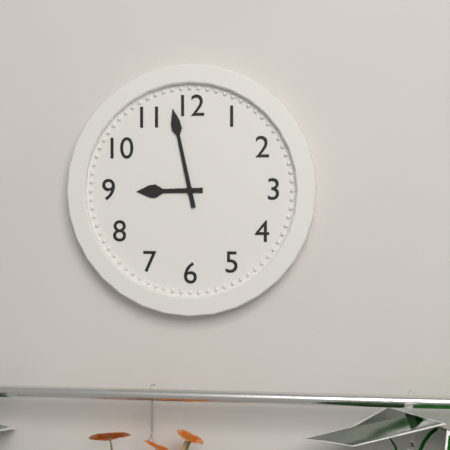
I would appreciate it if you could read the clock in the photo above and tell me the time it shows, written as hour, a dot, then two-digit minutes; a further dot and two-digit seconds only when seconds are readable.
8.58
